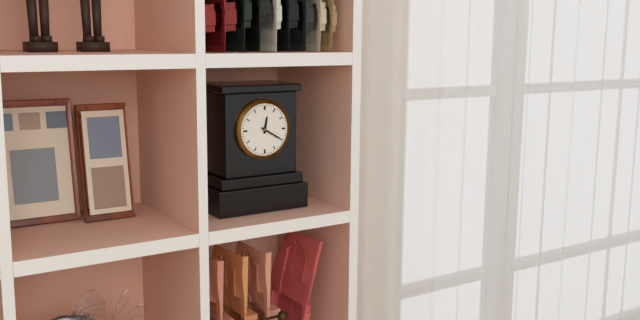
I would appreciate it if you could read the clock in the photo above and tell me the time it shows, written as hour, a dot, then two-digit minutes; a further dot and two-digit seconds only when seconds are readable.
12.20
